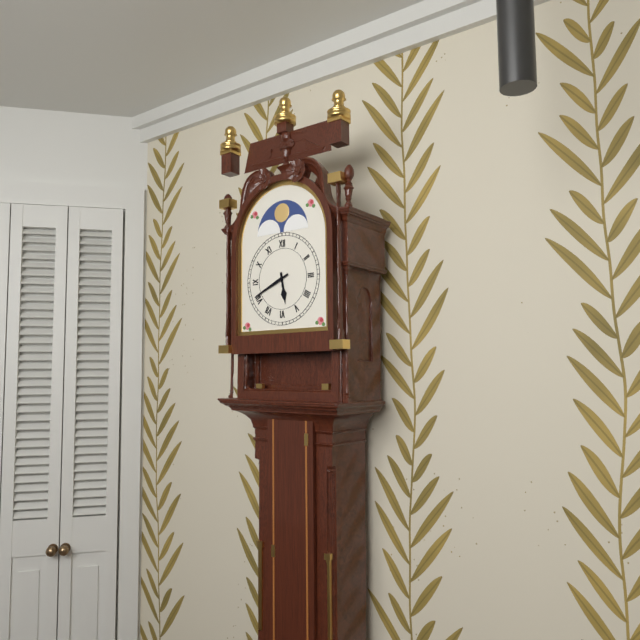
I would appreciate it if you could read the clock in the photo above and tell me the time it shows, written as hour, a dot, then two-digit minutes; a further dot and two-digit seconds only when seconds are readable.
5.41
